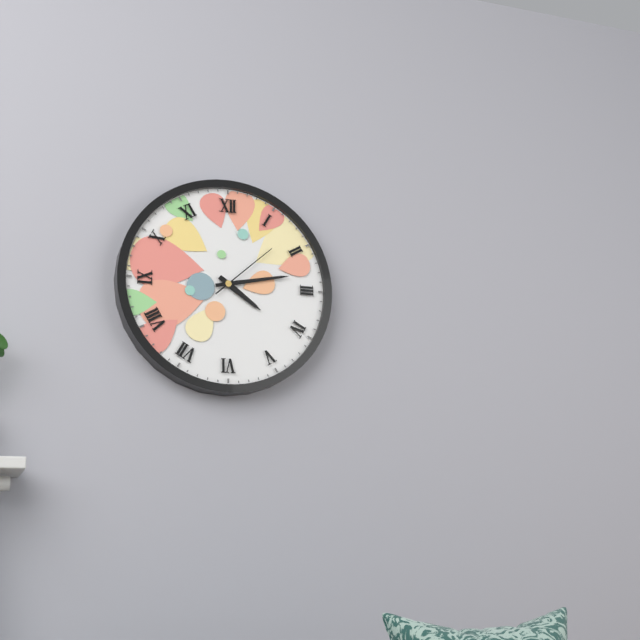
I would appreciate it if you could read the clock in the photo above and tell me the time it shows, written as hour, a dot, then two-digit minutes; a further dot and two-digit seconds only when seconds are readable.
4.13.08
